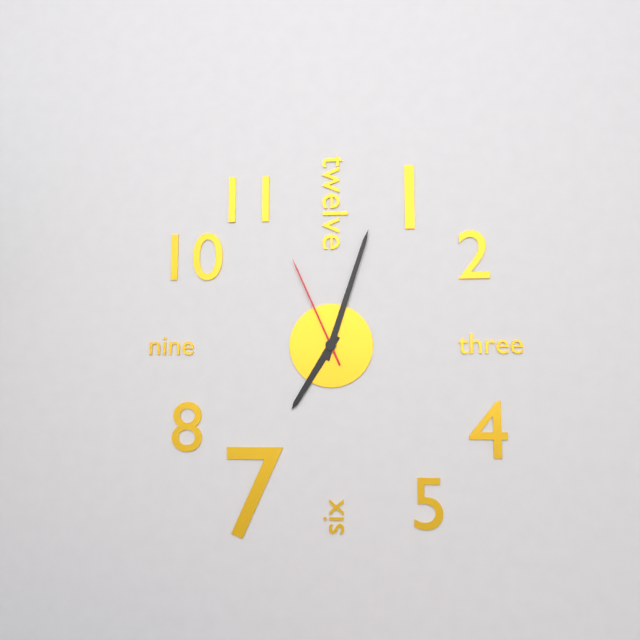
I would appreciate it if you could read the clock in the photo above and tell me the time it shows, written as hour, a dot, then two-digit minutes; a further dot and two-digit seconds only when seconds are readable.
7.03.56
